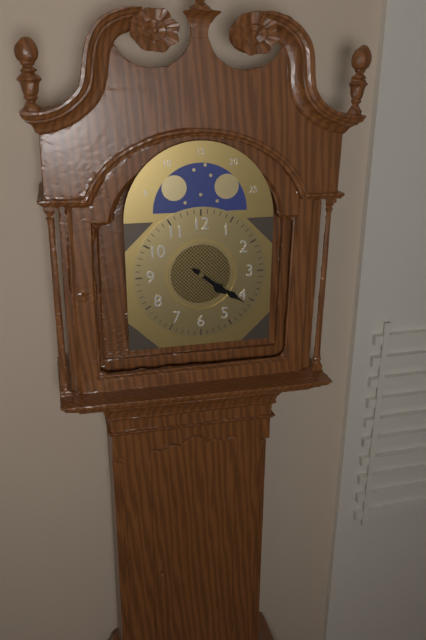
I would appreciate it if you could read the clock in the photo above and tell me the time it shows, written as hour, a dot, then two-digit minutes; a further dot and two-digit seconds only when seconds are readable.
4.21
